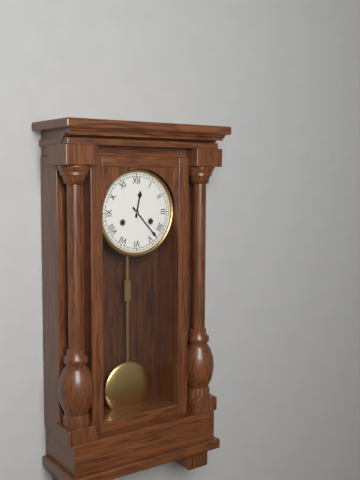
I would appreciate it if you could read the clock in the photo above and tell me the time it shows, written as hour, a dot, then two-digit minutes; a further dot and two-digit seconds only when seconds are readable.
12.23
